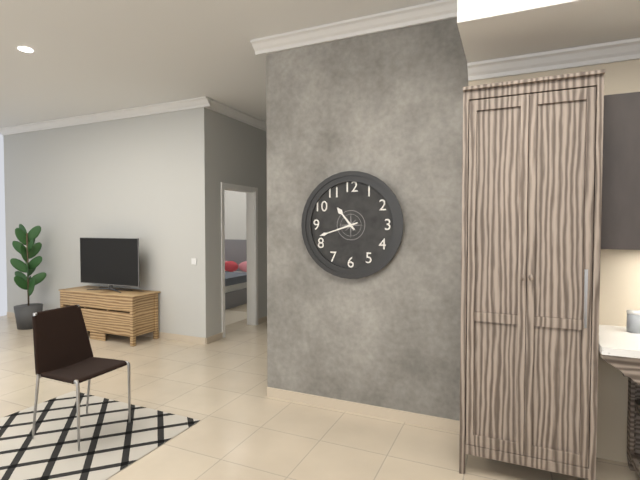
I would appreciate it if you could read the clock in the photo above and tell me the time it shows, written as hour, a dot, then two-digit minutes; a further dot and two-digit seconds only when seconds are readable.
10.42
